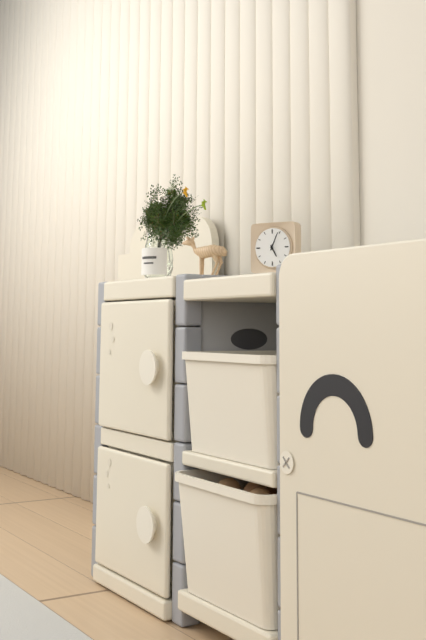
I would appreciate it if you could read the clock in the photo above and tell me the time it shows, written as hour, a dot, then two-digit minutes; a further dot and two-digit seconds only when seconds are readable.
5.04
